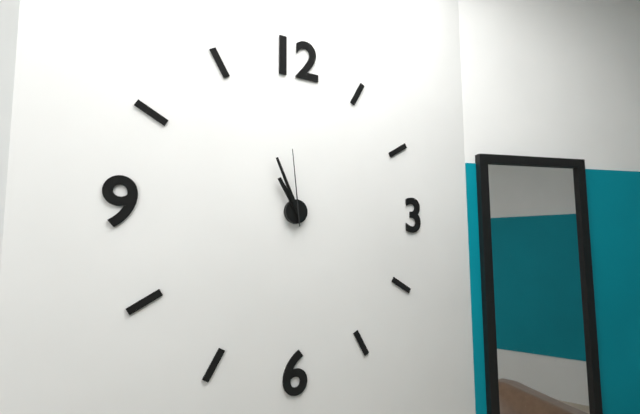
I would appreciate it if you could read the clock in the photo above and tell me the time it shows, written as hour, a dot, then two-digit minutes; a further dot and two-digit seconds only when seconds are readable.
10.56.59
